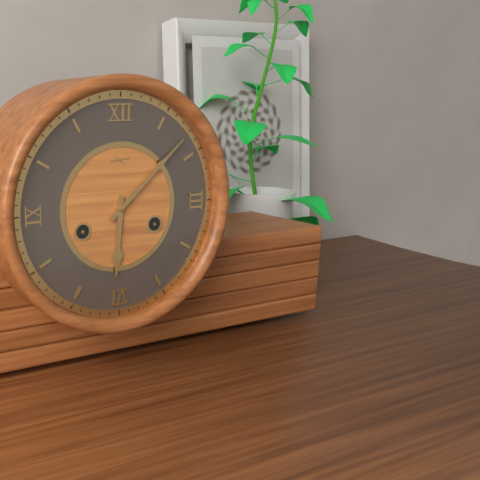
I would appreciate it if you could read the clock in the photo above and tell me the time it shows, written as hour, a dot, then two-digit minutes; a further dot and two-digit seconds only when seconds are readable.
6.08
